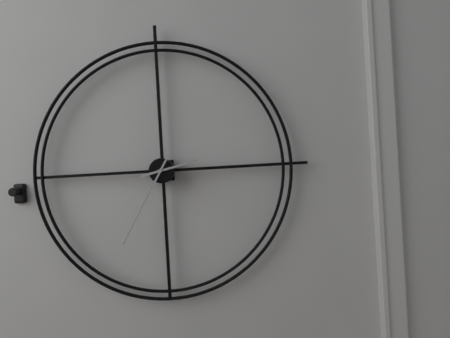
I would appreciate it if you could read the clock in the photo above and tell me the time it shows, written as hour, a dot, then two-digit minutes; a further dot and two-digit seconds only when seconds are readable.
2.35
